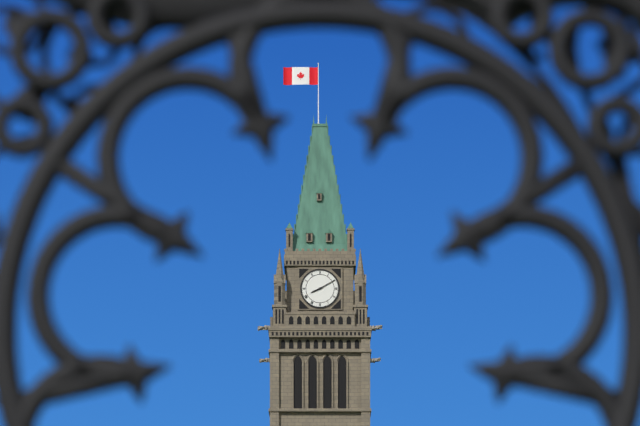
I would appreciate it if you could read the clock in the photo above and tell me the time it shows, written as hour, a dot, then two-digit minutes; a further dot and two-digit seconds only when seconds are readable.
8.10
